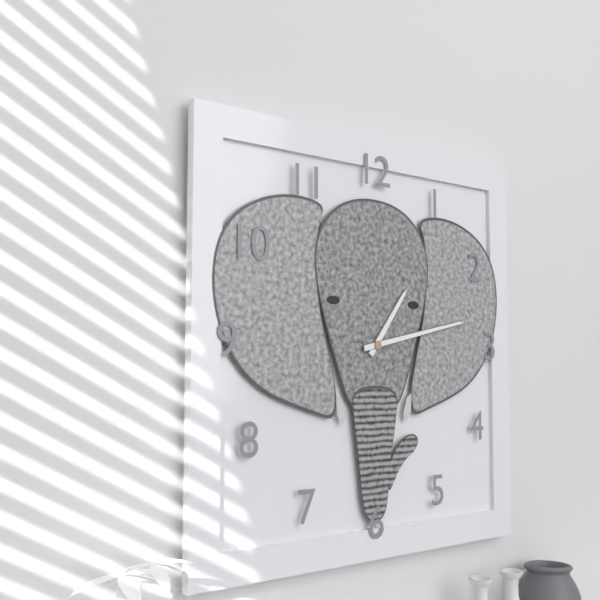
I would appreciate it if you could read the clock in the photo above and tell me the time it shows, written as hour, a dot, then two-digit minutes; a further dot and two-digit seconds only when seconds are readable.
1.13
